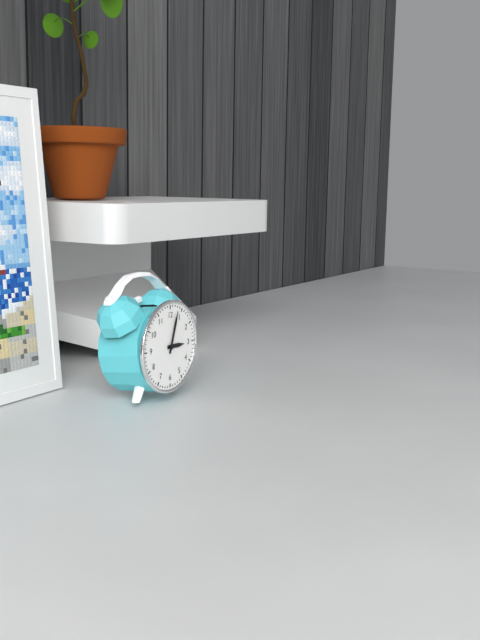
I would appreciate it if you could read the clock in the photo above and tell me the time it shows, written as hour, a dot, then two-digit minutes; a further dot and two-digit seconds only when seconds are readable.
3.03
